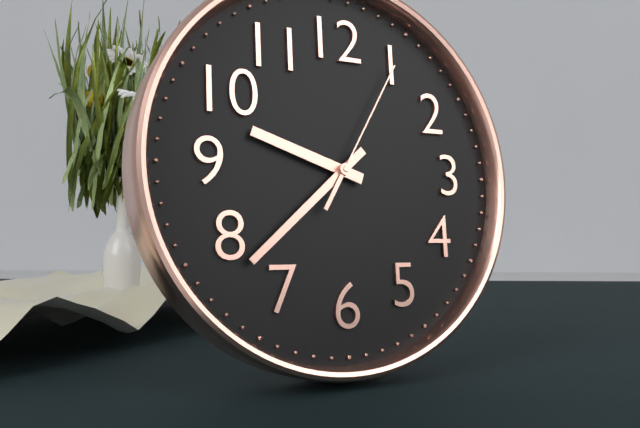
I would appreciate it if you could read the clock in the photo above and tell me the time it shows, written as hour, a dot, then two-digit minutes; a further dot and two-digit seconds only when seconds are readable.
9.38.05
